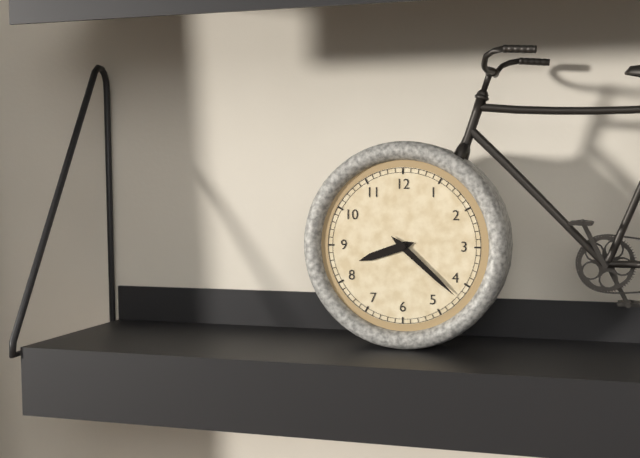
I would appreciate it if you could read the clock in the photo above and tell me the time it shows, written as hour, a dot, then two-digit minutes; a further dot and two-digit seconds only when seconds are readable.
8.22
